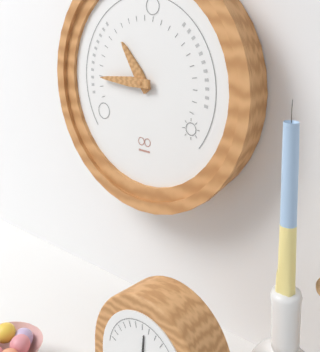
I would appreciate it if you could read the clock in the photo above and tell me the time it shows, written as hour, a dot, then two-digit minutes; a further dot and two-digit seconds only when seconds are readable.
10.45
